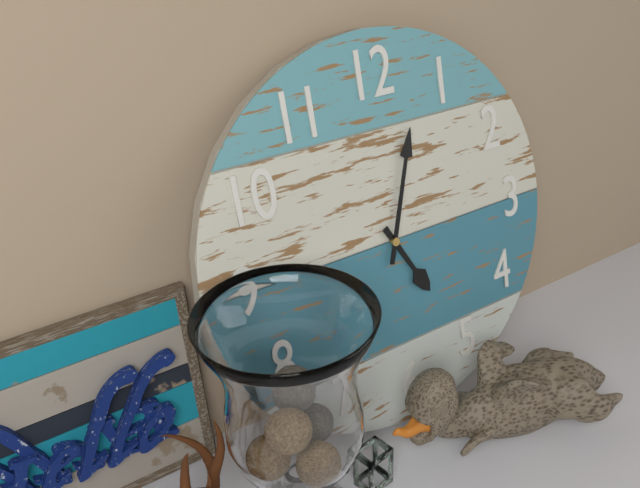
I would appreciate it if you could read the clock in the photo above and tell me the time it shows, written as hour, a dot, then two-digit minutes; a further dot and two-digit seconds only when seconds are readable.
5.03
